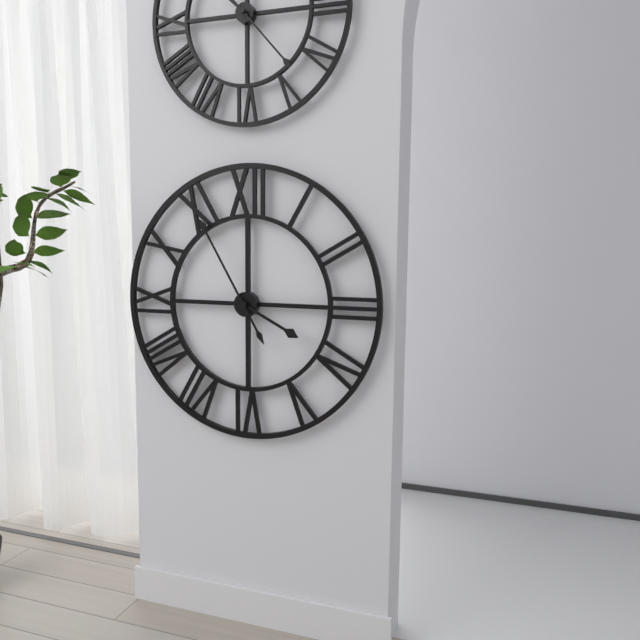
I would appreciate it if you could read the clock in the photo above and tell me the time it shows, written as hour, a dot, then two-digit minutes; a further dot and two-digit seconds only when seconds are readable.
3.55
